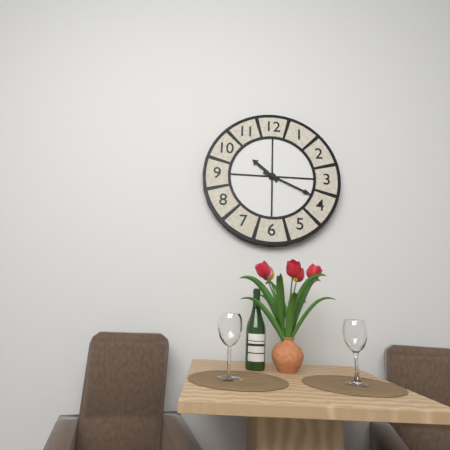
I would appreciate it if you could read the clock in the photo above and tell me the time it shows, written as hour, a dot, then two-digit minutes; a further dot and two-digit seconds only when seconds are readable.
10.19
